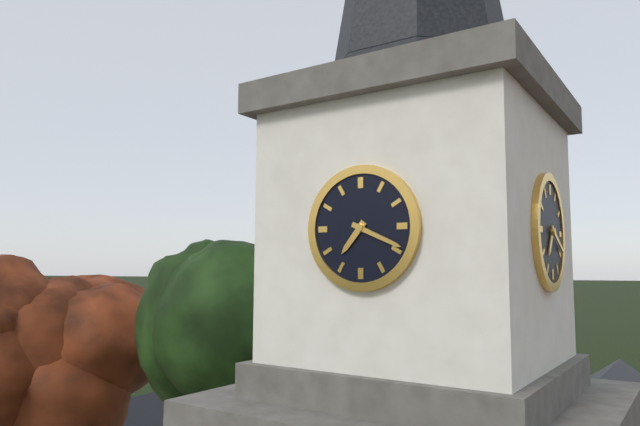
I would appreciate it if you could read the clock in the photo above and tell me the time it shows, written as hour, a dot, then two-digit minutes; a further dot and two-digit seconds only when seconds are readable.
7.19
